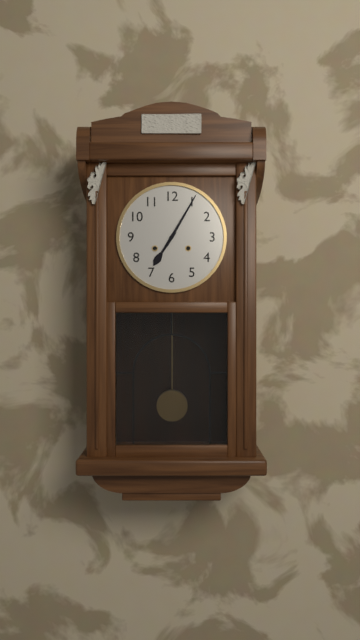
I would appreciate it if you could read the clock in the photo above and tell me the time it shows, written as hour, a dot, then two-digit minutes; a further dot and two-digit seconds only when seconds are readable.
7.05
